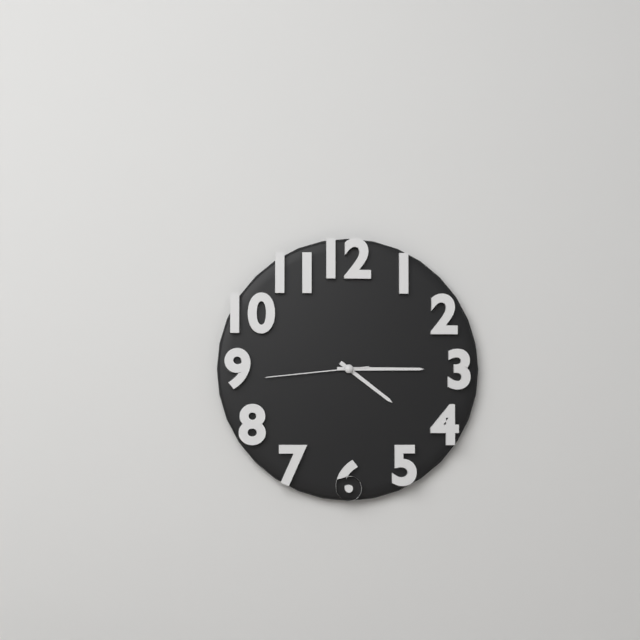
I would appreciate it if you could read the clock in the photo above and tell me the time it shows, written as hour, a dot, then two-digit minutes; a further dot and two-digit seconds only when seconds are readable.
4.15.44
